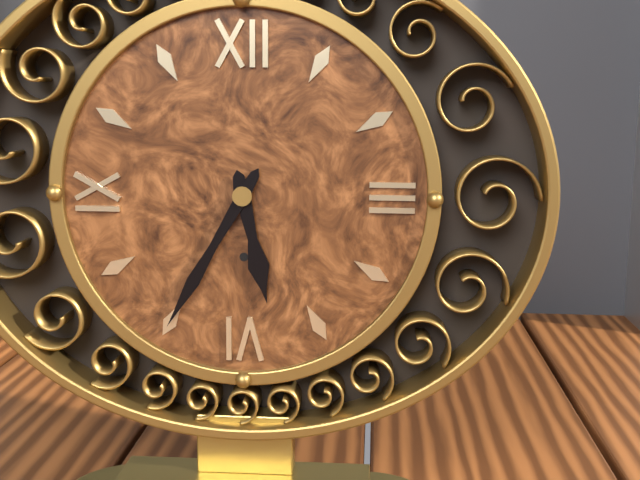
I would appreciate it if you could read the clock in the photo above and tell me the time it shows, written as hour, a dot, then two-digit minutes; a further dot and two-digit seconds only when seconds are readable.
5.35
